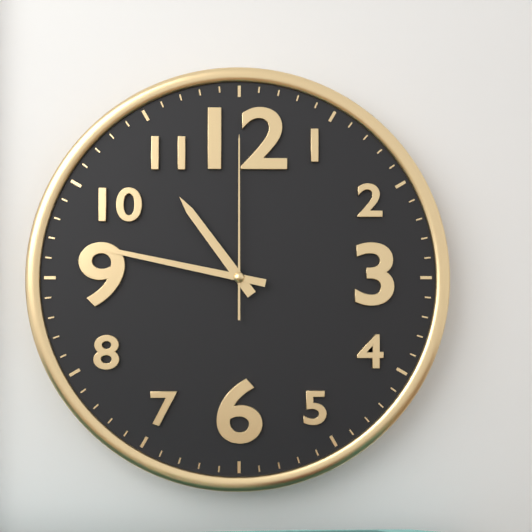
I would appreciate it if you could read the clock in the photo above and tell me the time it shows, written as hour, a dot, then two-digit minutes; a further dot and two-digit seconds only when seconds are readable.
10.47.00
